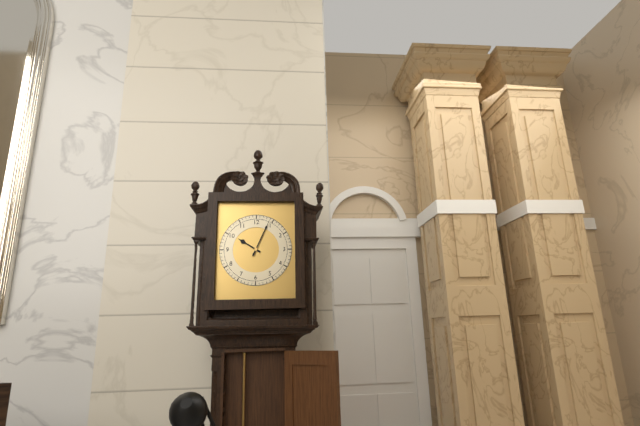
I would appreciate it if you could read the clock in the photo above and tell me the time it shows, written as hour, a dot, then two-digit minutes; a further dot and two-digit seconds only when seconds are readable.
10.04
